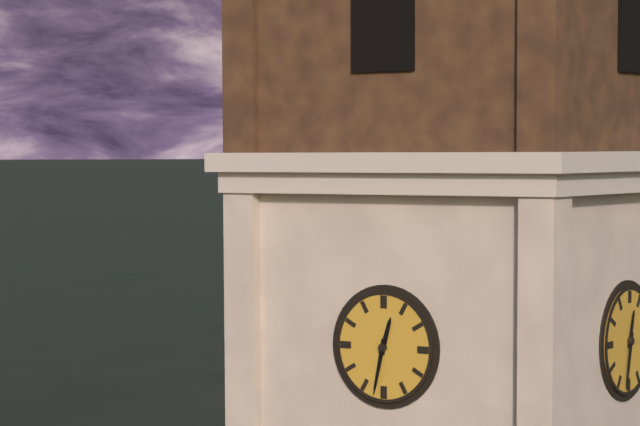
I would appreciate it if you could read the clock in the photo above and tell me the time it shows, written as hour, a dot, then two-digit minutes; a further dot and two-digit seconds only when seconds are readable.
12.32
